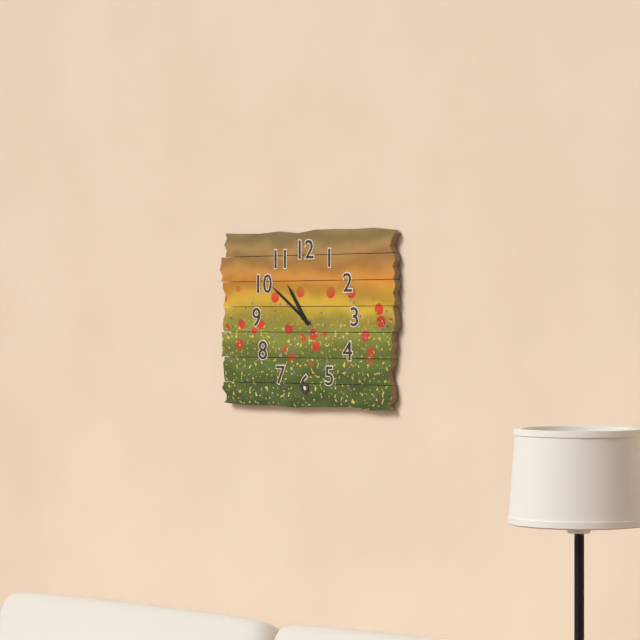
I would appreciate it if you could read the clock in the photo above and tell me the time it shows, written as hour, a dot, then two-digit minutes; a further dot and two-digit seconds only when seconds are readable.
10.51
